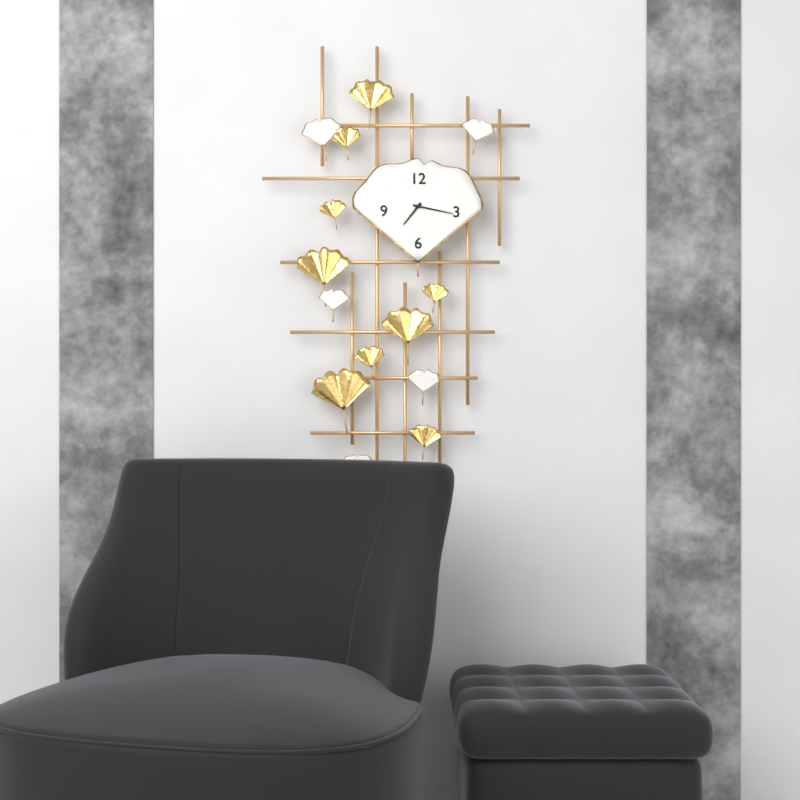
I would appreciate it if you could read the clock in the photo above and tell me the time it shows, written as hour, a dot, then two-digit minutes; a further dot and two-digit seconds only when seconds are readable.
7.17
